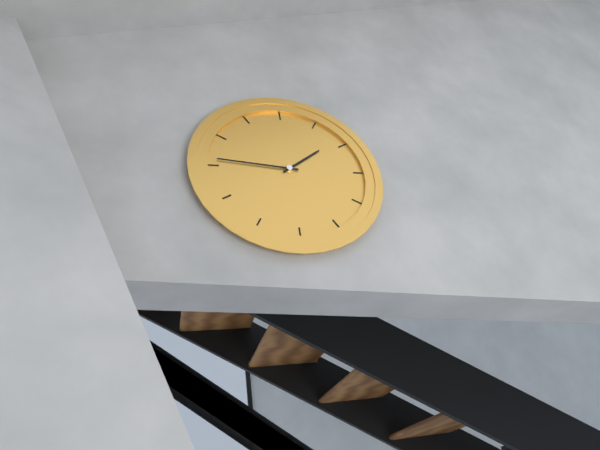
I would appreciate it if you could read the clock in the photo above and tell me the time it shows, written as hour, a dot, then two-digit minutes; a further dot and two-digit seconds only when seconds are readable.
1.46
